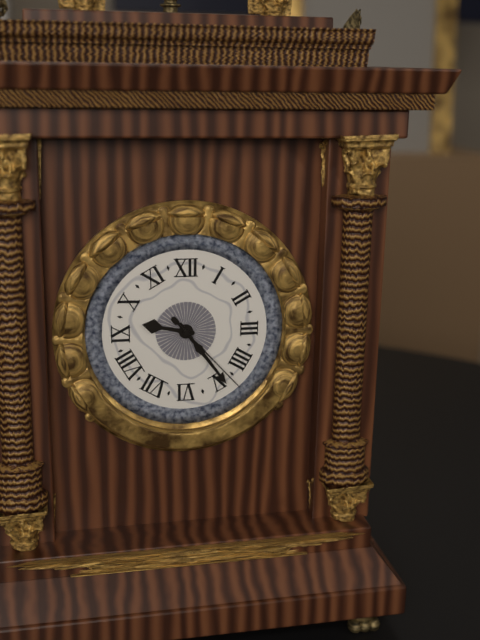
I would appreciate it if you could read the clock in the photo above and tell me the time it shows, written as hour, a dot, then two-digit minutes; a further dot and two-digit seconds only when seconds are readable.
9.24.23
